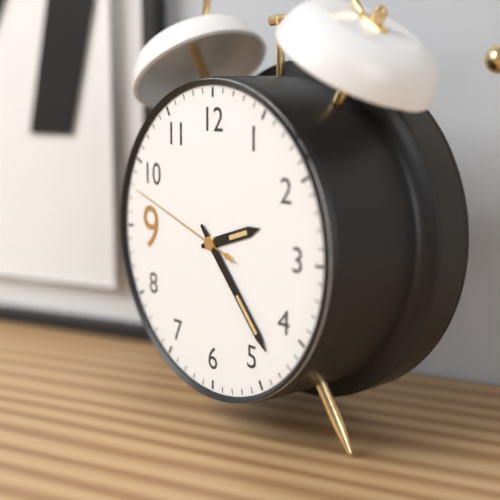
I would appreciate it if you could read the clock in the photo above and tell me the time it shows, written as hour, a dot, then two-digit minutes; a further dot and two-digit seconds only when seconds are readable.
2.23.48
